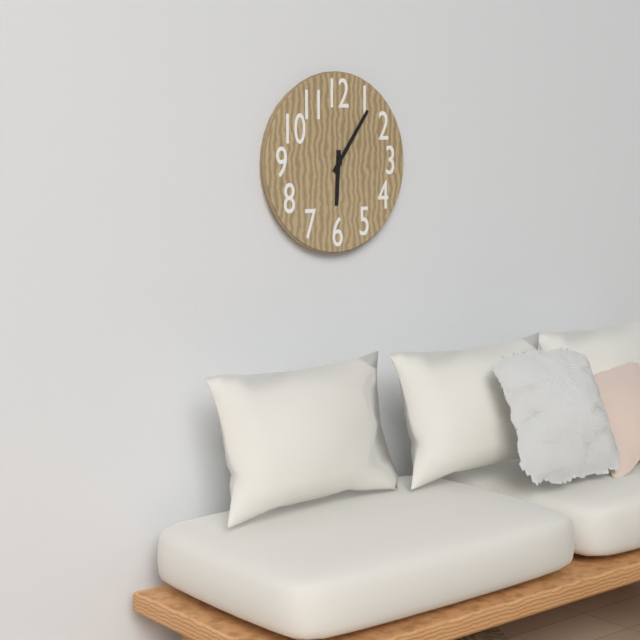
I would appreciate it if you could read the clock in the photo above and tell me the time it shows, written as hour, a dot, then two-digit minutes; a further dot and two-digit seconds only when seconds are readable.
6.06
